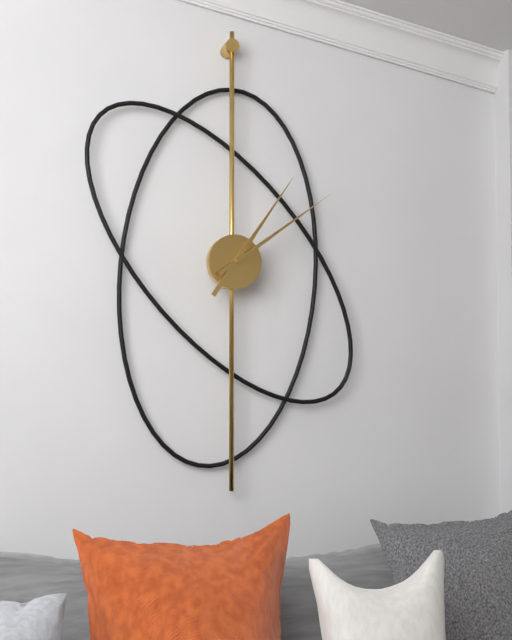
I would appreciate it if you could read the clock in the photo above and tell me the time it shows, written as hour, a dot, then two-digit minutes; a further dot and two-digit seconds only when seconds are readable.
1.09
